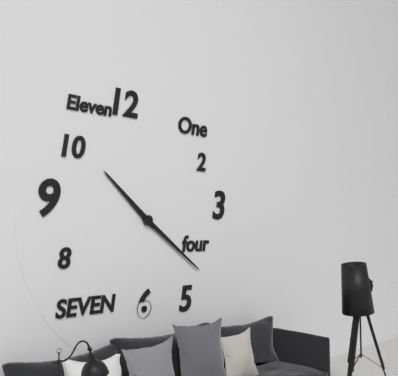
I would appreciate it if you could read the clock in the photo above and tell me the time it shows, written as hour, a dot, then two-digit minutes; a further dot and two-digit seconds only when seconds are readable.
10.21
